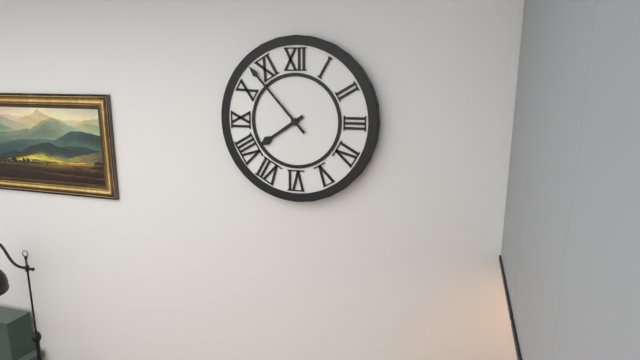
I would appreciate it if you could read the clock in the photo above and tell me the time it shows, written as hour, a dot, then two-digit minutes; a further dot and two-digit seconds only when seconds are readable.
7.53
